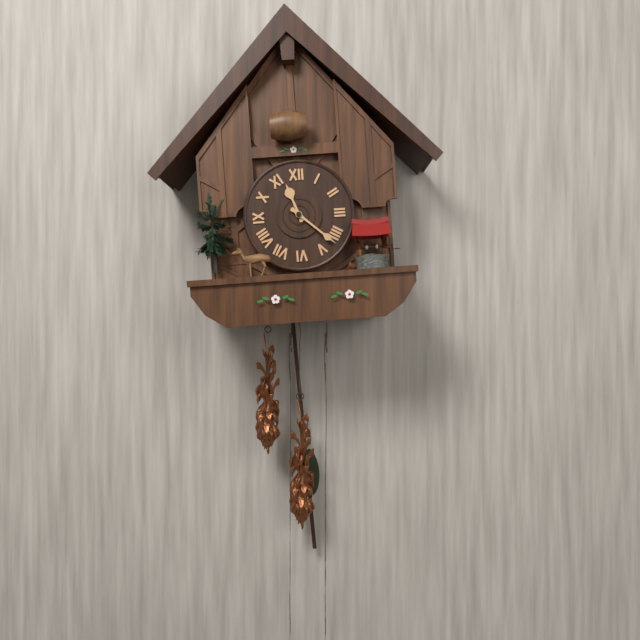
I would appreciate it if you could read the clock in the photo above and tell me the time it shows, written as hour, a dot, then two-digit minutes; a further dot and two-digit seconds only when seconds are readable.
11.22
